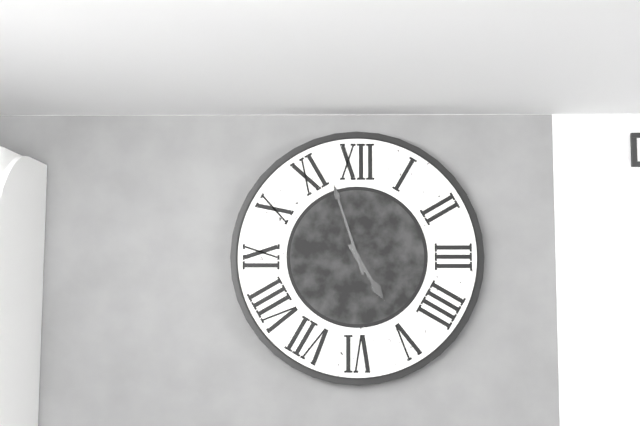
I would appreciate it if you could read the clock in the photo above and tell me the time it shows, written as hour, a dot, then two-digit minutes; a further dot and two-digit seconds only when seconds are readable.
4.57
